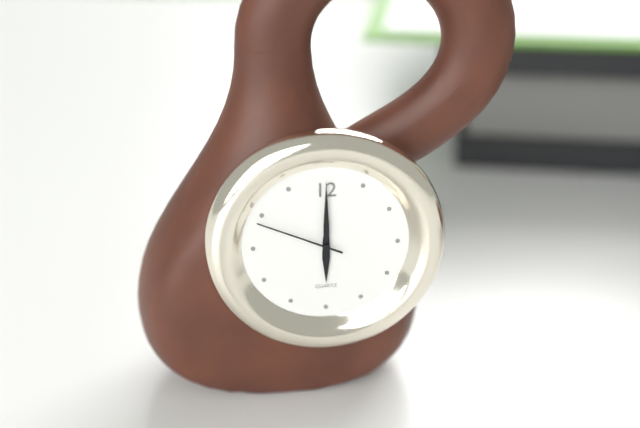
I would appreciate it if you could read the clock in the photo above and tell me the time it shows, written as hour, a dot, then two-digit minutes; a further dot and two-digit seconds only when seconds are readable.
6.00.49
